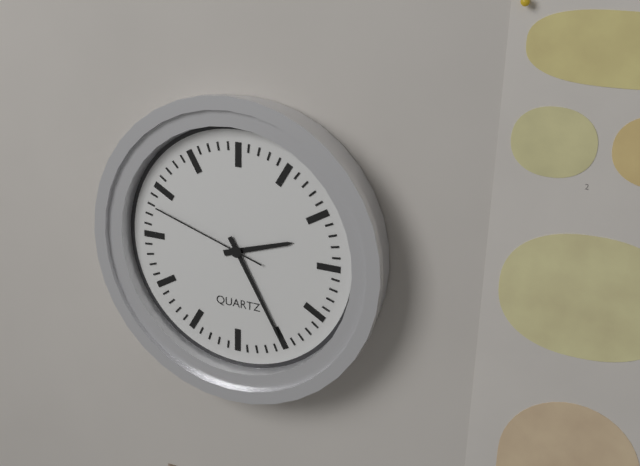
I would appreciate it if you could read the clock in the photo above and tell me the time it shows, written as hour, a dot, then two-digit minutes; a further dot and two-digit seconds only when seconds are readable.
2.25.48
